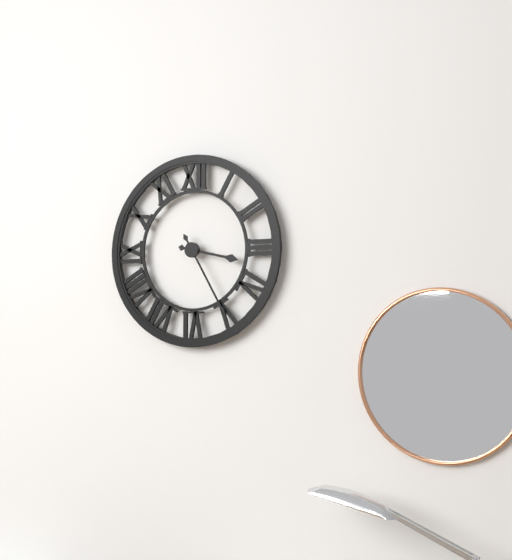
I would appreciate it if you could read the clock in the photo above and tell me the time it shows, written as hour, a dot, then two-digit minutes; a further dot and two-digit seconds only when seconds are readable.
3.25
